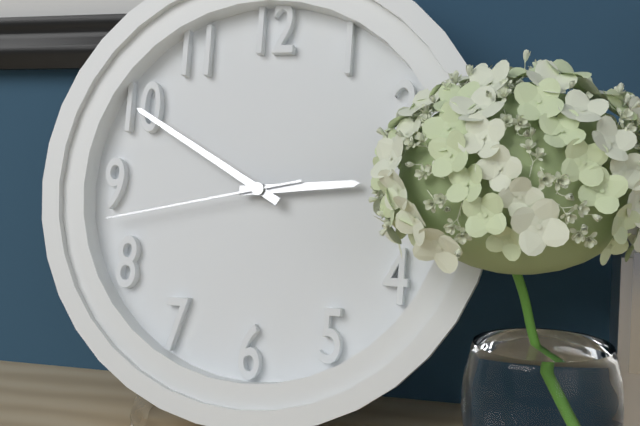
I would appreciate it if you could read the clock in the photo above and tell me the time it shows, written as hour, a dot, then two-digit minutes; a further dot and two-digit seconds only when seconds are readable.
2.50.43
